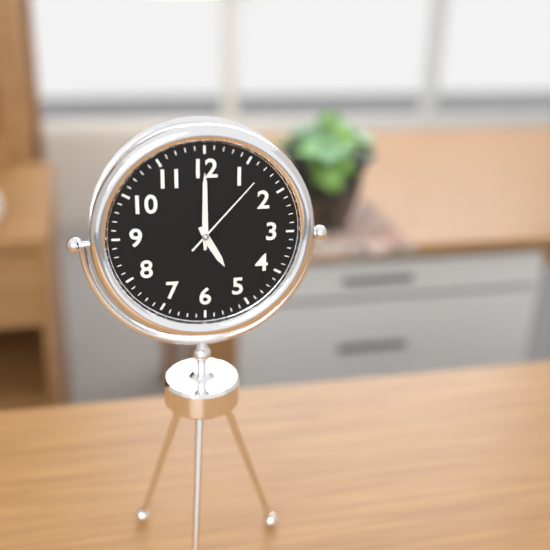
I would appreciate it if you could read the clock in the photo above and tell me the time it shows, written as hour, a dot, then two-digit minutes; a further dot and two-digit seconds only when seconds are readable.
5.00.07
